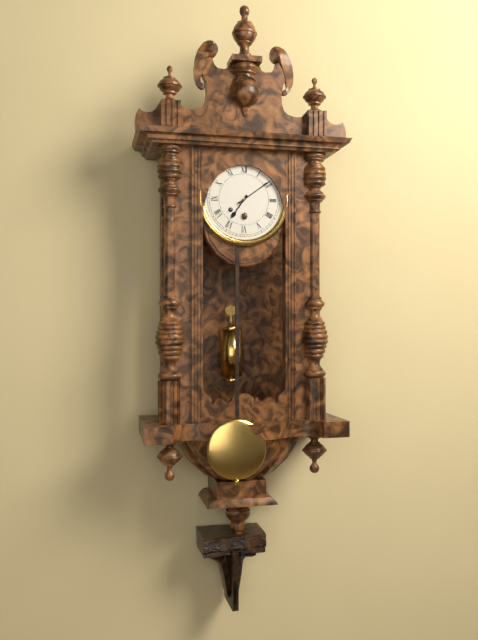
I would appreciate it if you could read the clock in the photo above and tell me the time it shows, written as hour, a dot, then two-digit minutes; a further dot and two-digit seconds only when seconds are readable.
7.09
